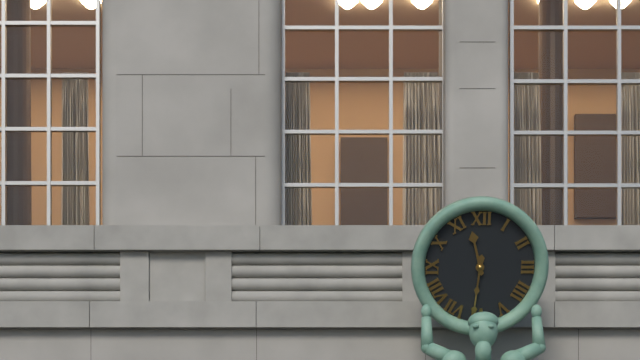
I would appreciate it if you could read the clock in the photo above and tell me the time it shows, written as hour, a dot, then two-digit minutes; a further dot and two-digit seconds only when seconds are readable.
11.31
